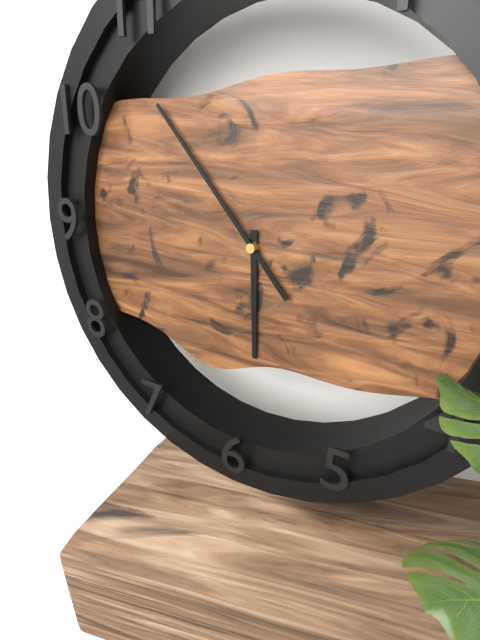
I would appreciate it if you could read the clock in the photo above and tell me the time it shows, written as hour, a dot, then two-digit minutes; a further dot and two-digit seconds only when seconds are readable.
5.53
